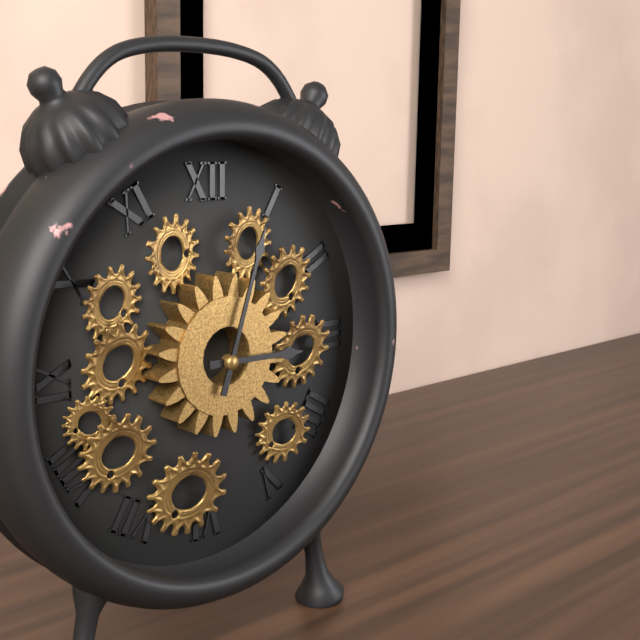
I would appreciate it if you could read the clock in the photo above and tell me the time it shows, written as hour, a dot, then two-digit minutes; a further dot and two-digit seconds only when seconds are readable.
3.03
